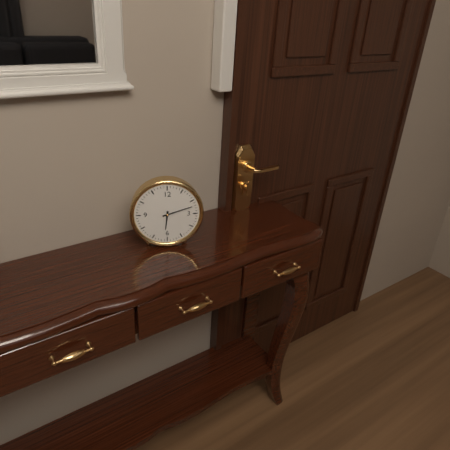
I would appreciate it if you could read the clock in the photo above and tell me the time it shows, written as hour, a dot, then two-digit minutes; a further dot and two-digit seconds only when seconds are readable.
6.12
